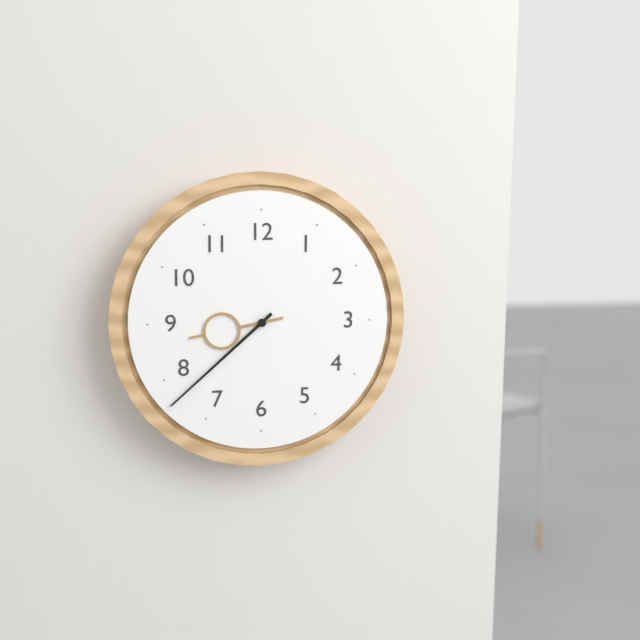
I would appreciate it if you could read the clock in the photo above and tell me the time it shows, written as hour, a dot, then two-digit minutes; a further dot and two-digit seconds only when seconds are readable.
8.38
